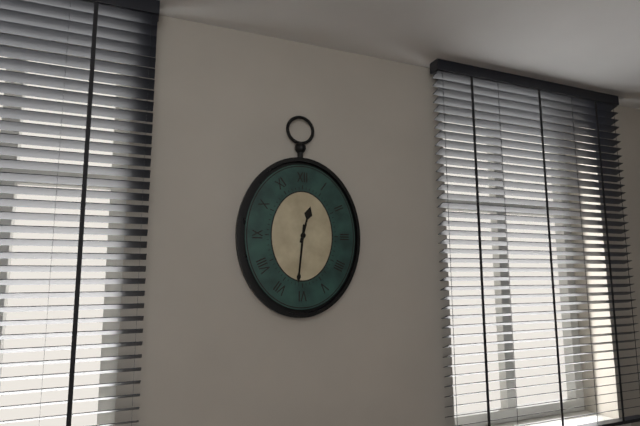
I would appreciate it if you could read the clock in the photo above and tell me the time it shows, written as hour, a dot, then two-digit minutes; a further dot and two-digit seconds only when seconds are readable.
12.31
